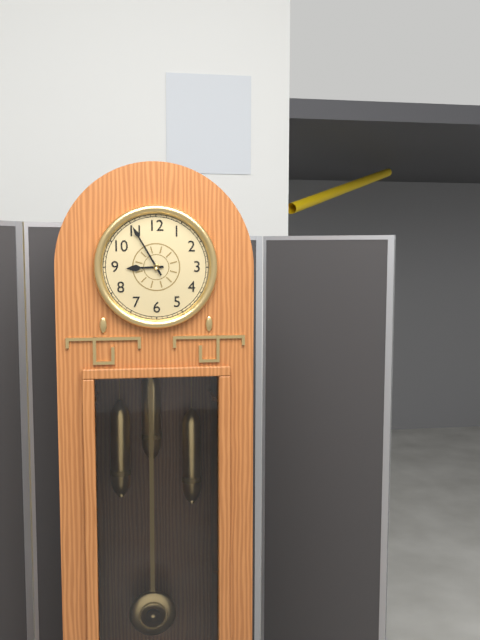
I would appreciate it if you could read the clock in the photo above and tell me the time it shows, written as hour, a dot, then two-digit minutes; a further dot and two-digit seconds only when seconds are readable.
8.55
